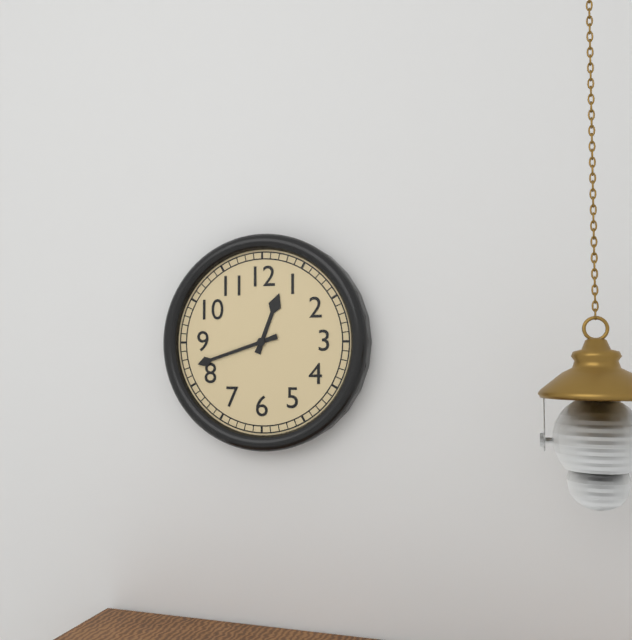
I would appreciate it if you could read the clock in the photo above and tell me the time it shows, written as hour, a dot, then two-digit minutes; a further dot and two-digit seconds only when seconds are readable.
12.42
